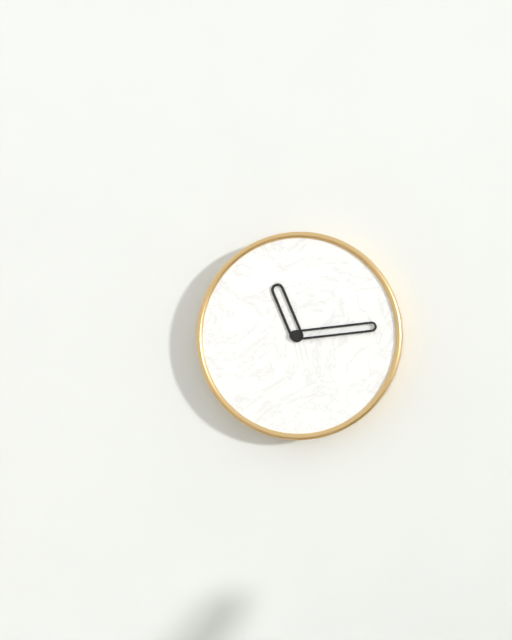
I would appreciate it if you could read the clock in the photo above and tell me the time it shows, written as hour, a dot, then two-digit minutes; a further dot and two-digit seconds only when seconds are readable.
11.14
